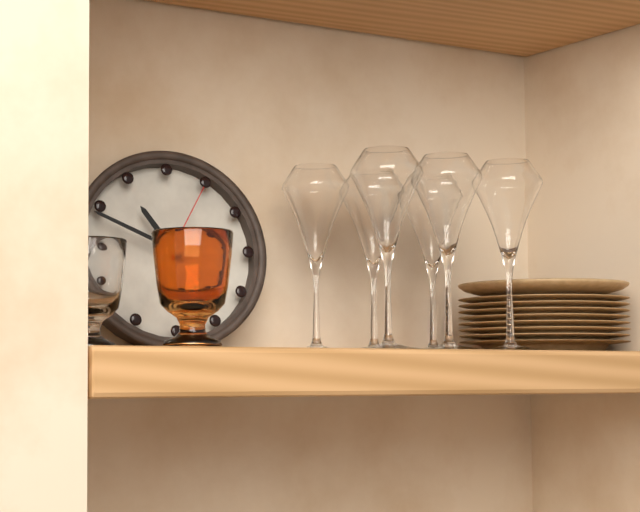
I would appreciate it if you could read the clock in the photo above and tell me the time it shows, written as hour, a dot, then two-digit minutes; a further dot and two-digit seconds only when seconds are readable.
10.49.05
